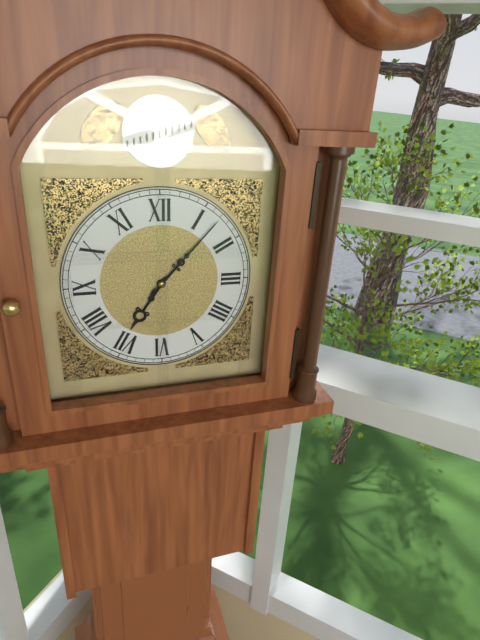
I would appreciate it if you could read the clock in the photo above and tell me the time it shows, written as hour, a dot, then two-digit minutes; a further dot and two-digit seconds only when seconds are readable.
7.07
